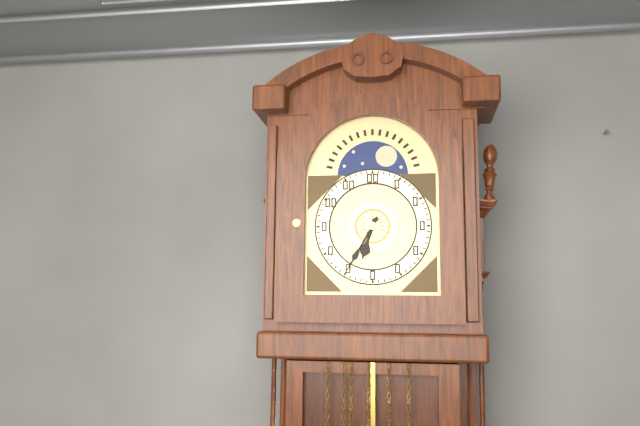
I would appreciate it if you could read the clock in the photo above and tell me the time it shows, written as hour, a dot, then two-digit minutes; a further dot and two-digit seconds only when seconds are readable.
6.35
